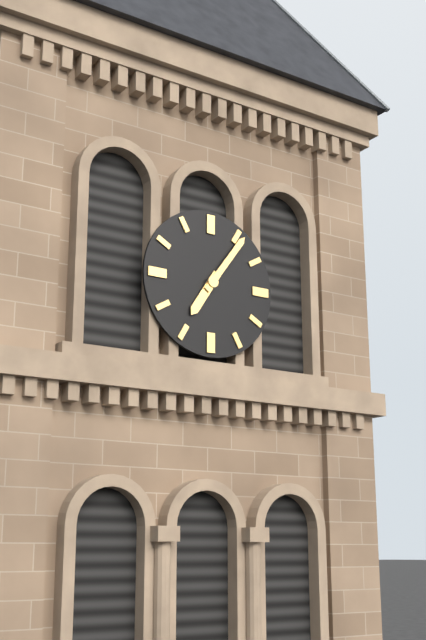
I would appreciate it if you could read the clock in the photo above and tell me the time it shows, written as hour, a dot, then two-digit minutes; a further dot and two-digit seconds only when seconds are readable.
7.06
